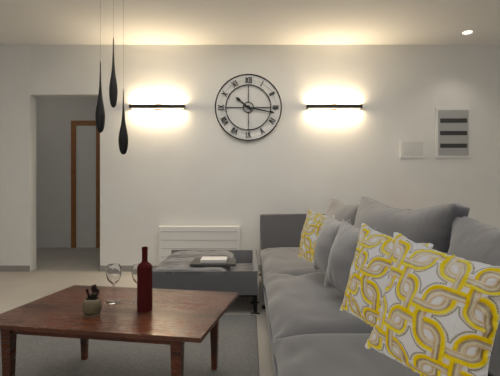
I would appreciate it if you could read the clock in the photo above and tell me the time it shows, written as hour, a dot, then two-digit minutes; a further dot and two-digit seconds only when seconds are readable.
10.17
